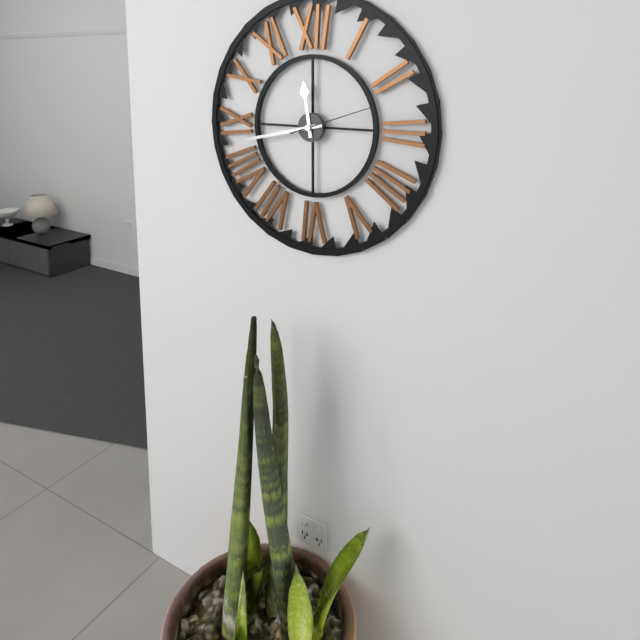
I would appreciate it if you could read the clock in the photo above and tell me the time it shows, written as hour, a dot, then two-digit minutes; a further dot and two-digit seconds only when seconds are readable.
11.43.12
